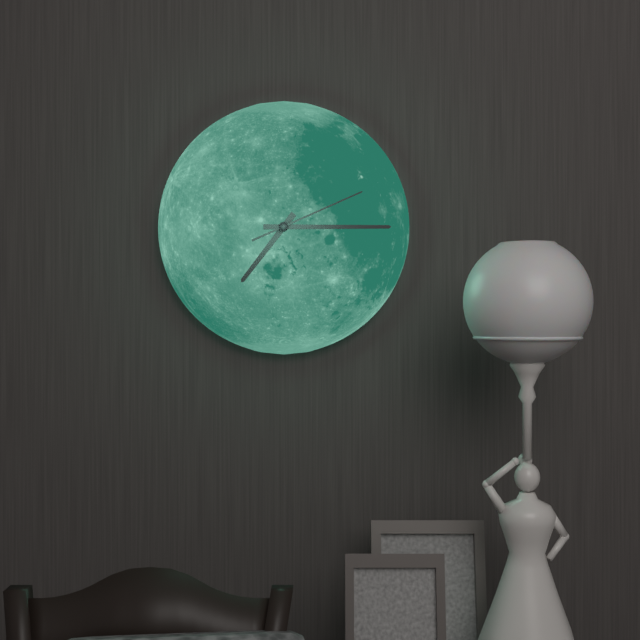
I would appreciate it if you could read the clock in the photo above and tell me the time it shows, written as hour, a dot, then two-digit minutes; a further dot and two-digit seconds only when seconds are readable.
7.15.11
